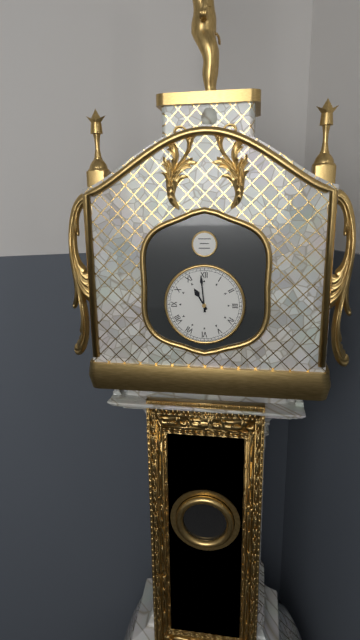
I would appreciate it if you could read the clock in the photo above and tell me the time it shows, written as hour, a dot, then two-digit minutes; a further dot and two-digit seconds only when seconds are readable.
10.59
